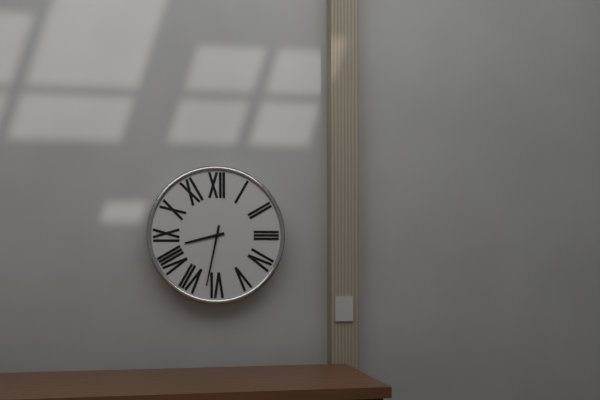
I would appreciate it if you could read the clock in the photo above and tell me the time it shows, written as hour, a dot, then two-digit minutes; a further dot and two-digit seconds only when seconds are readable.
8.32
